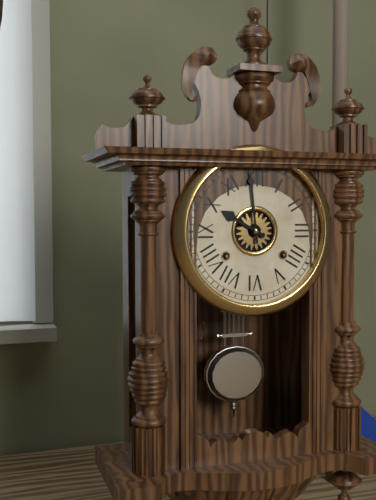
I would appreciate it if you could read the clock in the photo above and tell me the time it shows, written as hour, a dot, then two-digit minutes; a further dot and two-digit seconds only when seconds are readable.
9.59
